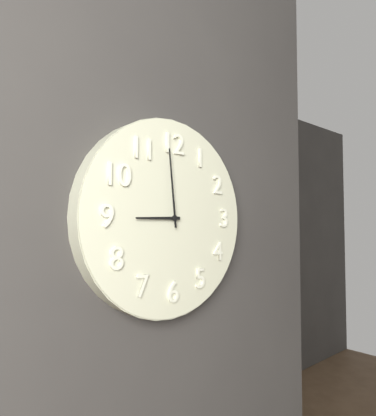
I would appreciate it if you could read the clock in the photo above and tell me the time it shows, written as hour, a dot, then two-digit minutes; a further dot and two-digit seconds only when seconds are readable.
8.59
